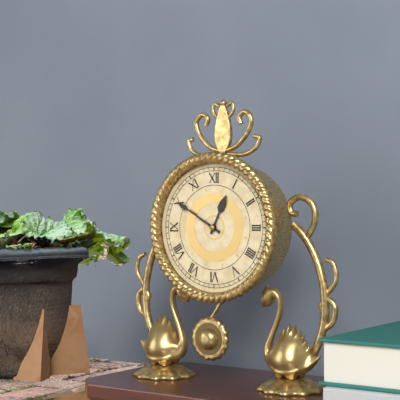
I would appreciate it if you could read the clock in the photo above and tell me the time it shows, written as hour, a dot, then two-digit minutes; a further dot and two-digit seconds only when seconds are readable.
12.50
